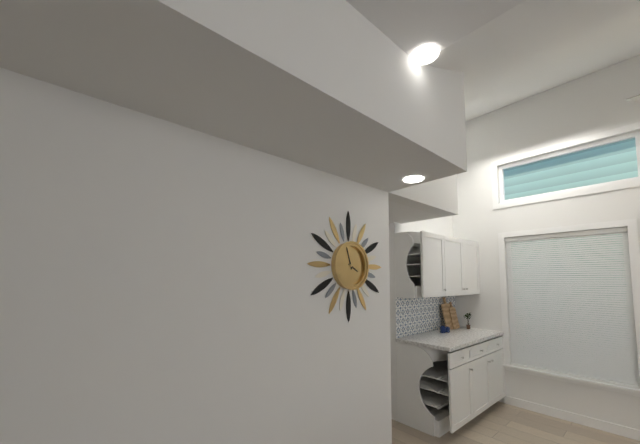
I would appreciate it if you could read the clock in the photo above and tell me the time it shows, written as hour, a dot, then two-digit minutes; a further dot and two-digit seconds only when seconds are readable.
3.57
